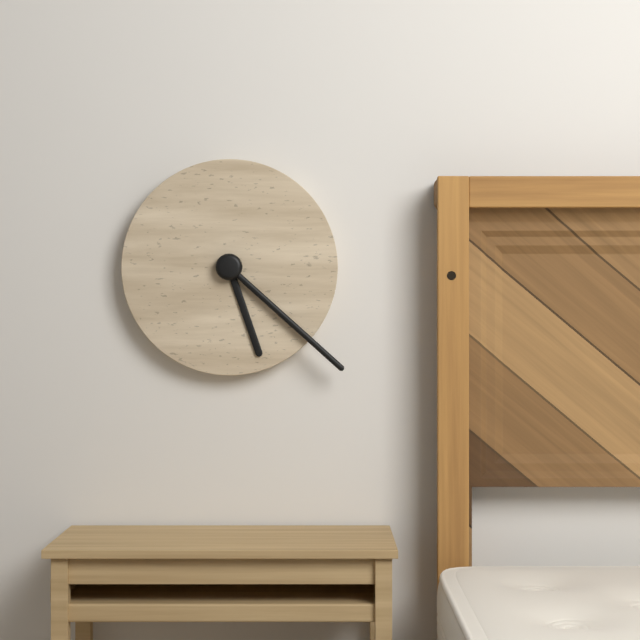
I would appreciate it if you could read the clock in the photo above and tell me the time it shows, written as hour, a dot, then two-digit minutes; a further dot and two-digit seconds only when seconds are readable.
5.22
